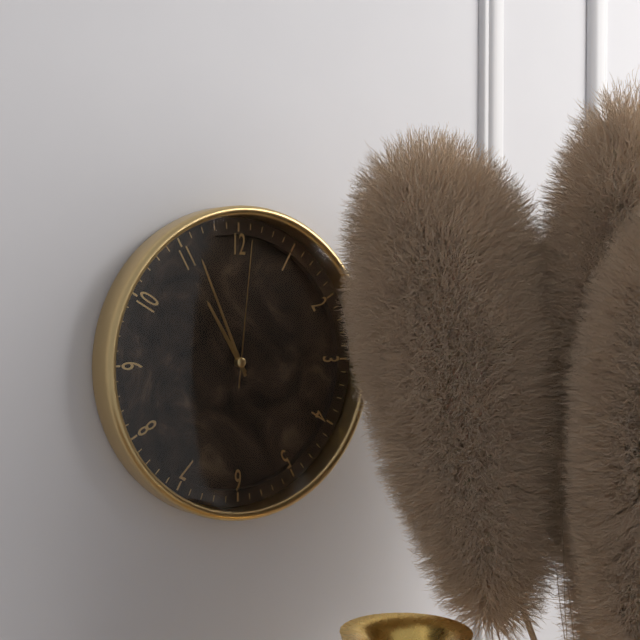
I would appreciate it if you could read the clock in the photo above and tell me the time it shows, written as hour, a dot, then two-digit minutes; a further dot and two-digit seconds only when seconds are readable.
10.56.01
